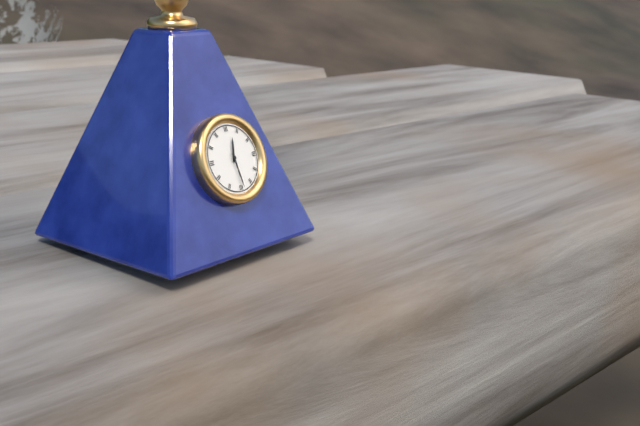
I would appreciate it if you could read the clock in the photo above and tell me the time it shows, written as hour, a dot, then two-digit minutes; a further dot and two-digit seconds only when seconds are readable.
12.29
